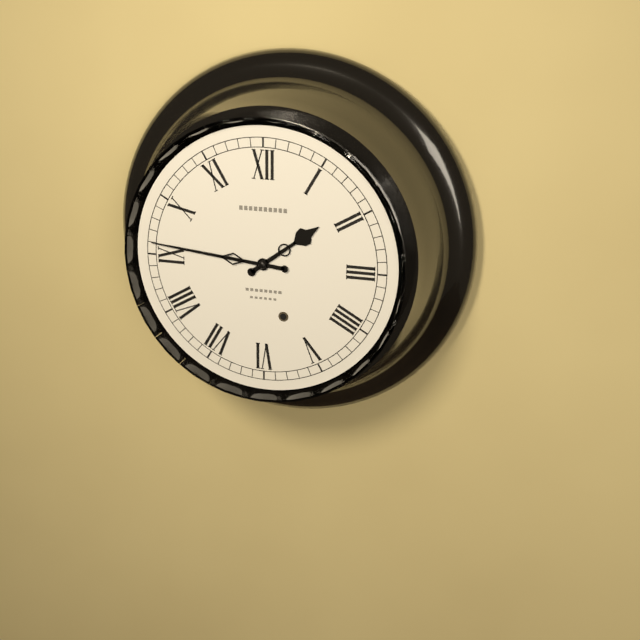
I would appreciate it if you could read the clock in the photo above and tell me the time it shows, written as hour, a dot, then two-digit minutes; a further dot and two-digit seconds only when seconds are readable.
1.46
